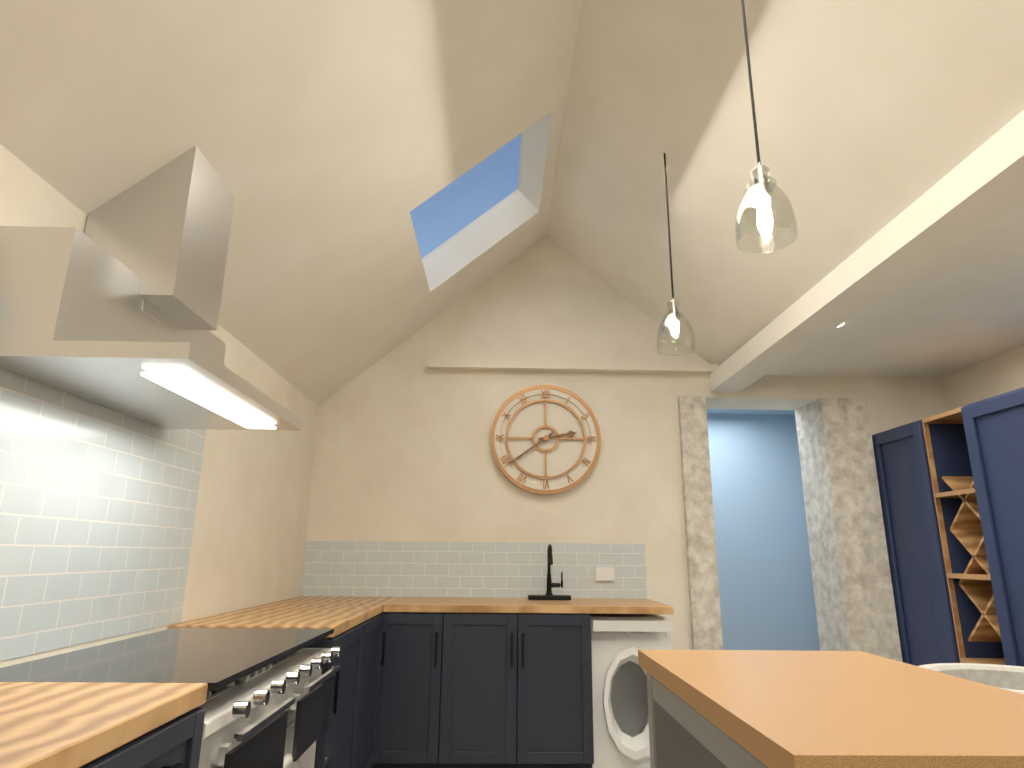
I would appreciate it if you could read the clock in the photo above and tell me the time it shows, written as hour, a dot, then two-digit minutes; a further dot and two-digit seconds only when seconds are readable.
2.39
